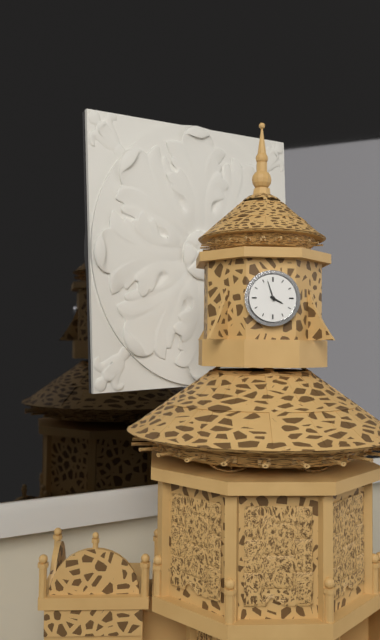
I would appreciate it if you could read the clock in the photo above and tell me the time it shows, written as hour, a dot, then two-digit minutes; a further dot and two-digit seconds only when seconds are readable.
3.57
